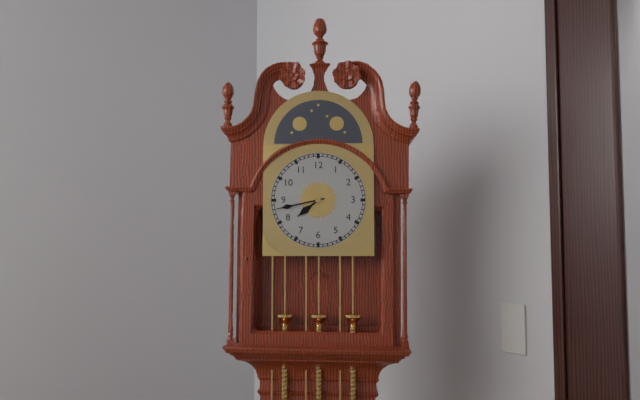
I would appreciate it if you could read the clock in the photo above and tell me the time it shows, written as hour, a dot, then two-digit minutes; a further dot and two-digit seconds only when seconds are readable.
7.43
